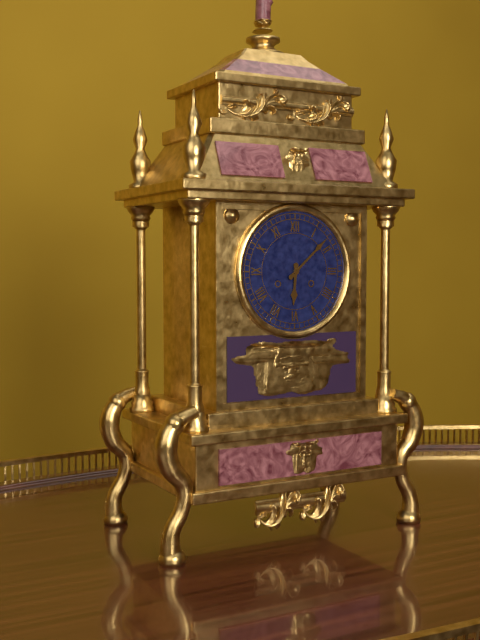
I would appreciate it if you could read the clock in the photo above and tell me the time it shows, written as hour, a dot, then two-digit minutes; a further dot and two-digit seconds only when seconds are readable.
6.08
